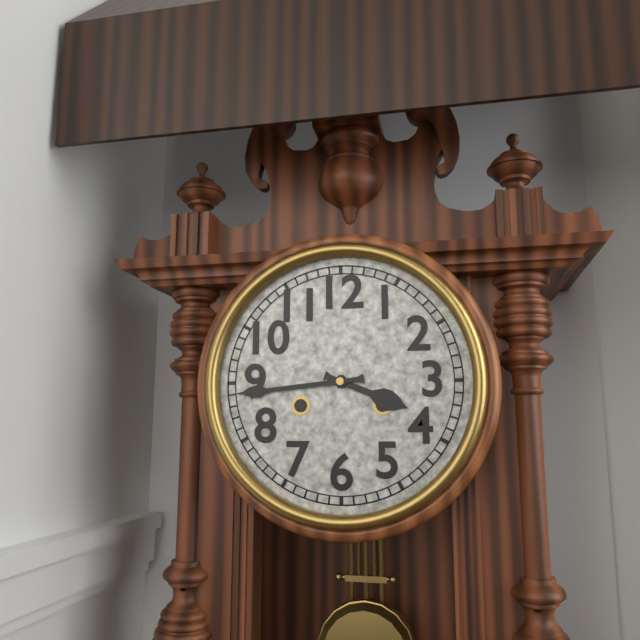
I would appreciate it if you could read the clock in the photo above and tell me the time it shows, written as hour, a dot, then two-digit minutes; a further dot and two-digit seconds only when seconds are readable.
3.44
